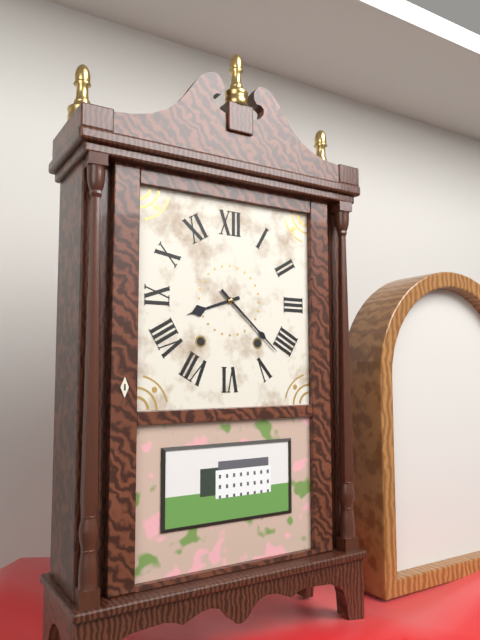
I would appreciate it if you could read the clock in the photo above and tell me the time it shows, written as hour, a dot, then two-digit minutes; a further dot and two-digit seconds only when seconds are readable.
8.22
